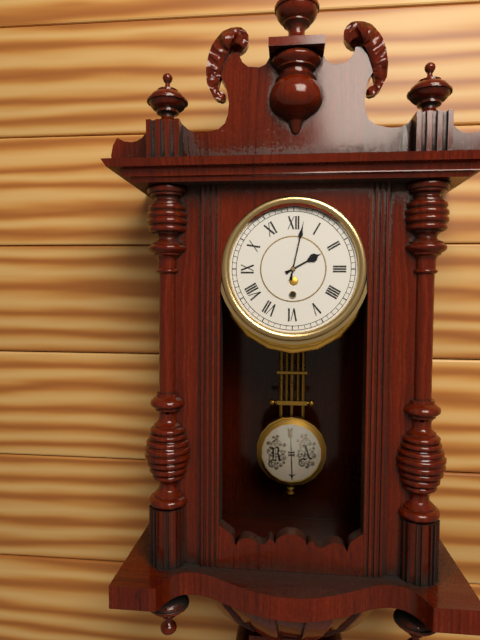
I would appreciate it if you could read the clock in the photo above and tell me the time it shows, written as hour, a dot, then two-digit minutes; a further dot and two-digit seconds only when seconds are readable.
2.02
